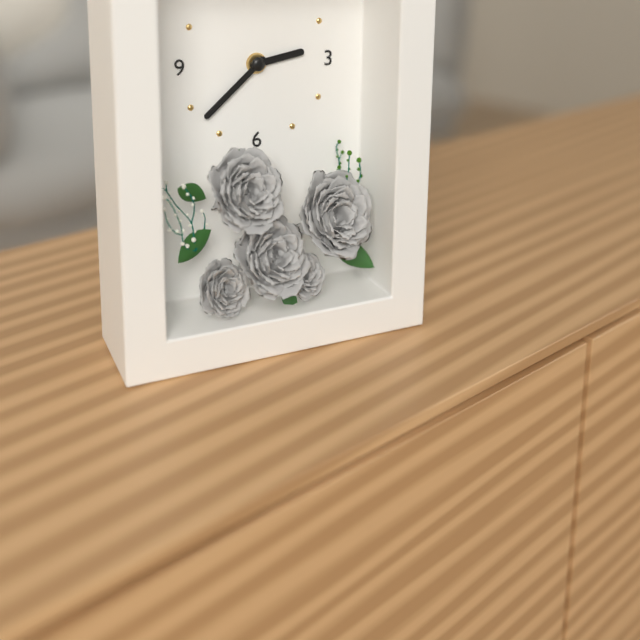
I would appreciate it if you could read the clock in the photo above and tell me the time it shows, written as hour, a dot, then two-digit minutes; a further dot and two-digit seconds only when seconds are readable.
2.38
